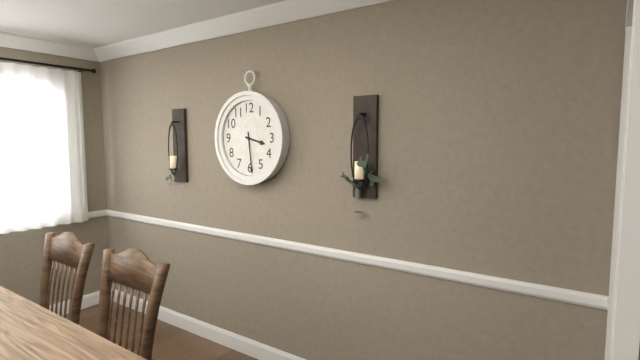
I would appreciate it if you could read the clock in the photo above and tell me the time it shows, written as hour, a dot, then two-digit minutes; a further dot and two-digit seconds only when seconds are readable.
3.29
